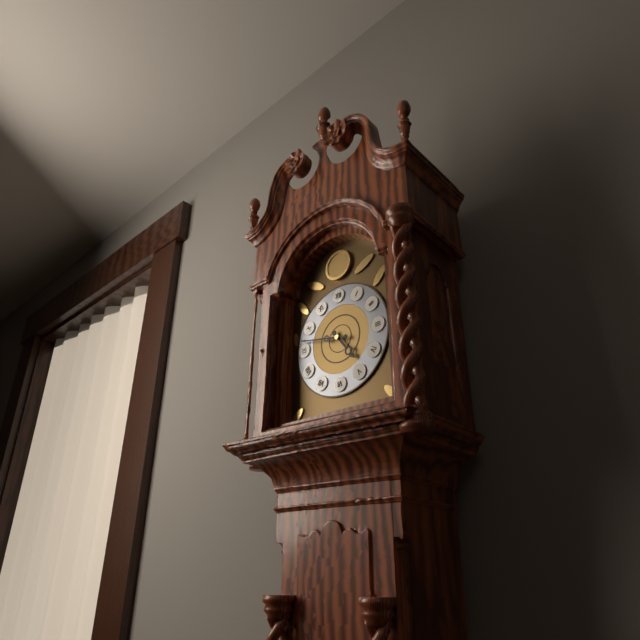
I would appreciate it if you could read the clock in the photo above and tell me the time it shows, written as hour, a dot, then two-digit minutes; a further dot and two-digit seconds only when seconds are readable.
4.47
